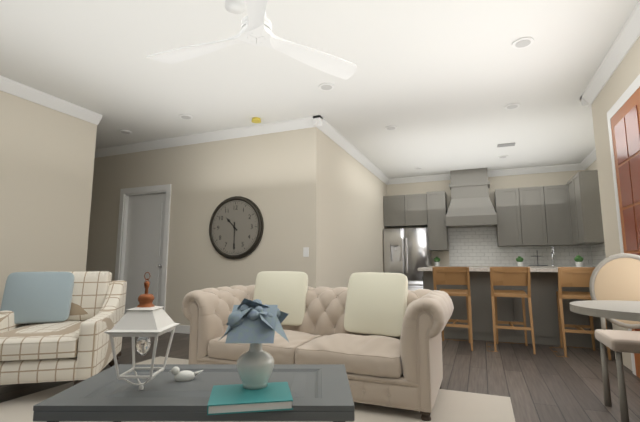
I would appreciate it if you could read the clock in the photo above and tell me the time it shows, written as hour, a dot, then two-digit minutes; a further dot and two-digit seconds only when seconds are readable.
10.30
